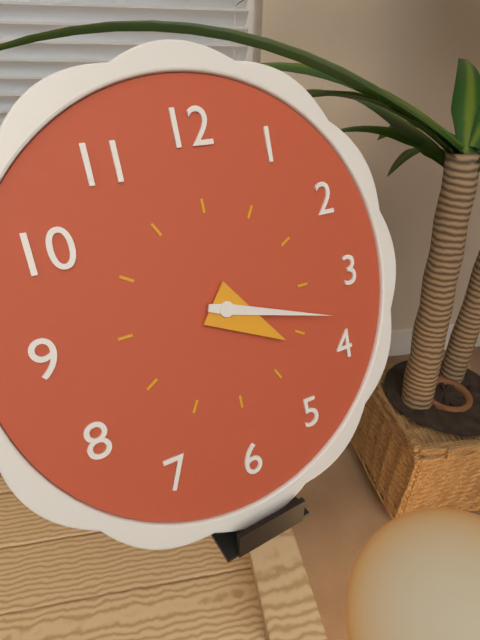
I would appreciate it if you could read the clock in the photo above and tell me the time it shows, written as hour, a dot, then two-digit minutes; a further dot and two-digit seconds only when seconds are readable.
4.18
